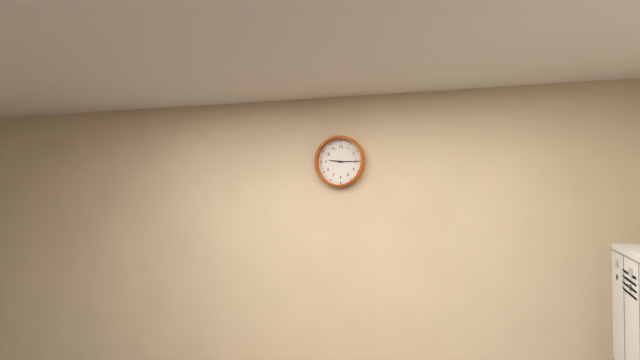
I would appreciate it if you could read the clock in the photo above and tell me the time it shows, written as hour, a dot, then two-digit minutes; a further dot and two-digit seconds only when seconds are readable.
9.15
